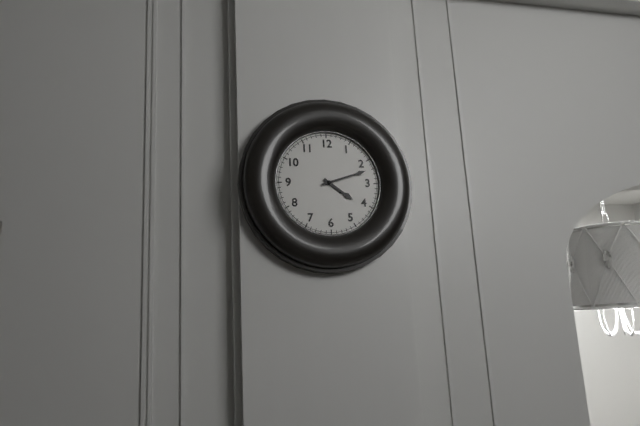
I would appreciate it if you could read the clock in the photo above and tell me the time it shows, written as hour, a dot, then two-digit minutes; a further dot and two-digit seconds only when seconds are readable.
4.12
